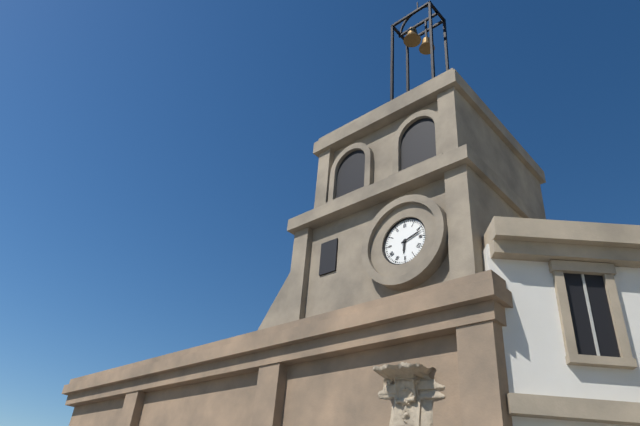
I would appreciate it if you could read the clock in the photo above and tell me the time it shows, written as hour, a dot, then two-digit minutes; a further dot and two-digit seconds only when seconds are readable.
6.12
